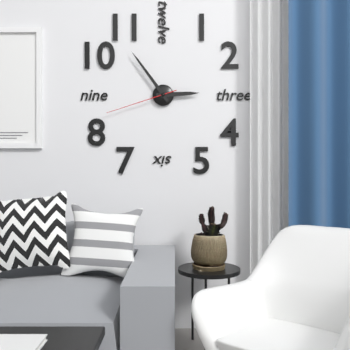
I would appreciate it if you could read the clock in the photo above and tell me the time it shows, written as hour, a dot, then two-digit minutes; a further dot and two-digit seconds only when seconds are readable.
2.54.42
